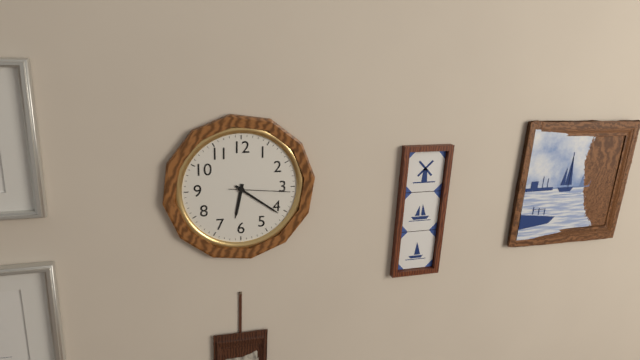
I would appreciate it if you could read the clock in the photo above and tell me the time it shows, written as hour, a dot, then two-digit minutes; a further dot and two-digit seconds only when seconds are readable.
6.21.16
